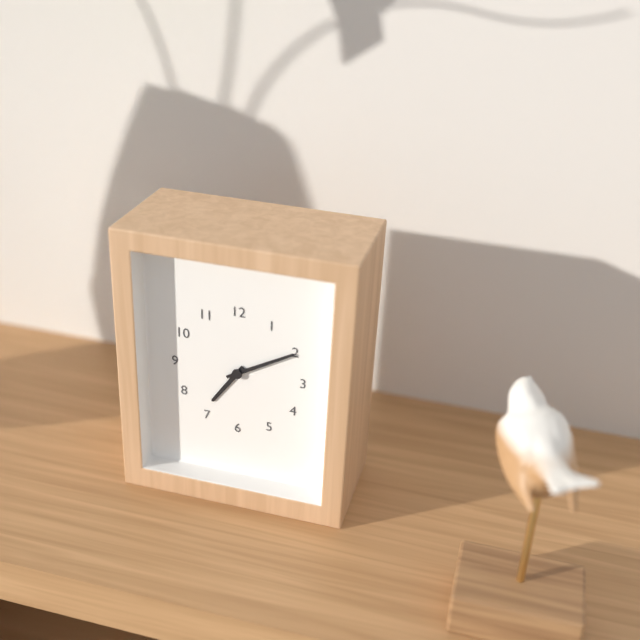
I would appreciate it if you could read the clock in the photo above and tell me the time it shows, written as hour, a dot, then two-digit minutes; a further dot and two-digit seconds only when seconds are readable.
7.10
